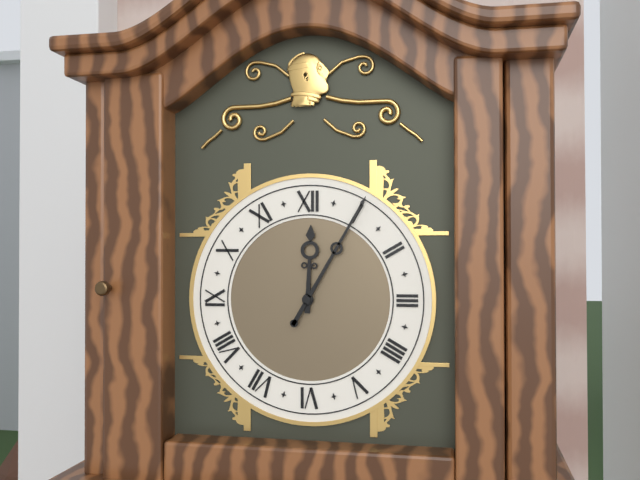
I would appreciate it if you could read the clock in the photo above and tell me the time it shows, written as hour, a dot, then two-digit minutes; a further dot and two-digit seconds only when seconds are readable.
12.05
